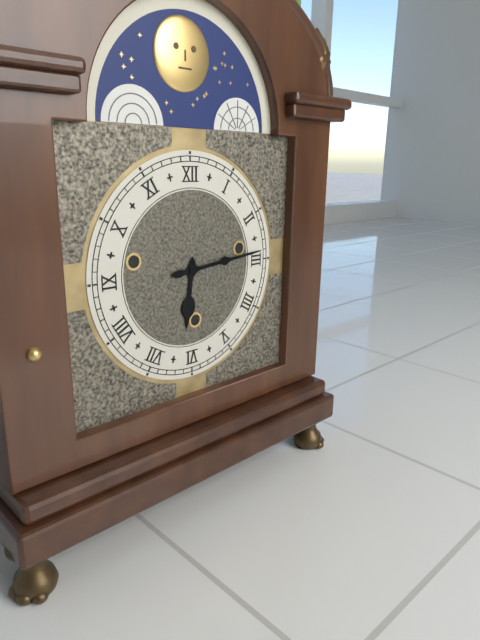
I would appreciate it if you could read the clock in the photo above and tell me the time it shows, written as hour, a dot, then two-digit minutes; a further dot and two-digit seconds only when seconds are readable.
6.14
